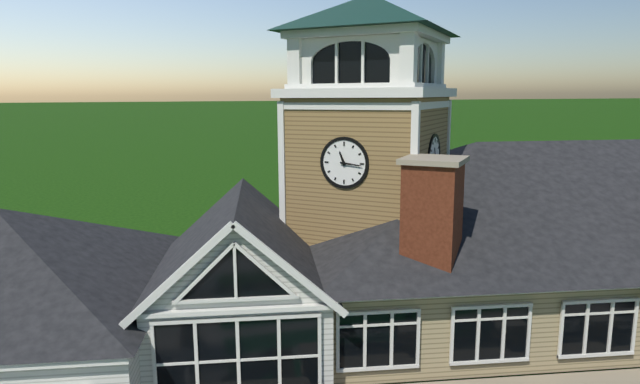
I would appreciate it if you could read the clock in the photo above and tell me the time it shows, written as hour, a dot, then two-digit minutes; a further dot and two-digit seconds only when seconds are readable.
11.16
